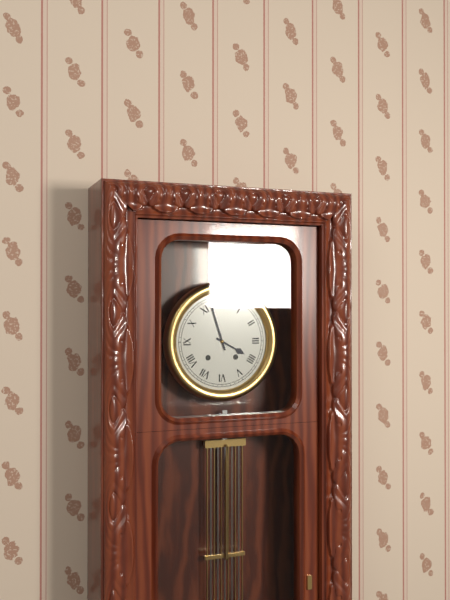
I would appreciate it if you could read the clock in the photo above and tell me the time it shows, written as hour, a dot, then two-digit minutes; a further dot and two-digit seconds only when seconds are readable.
3.57
